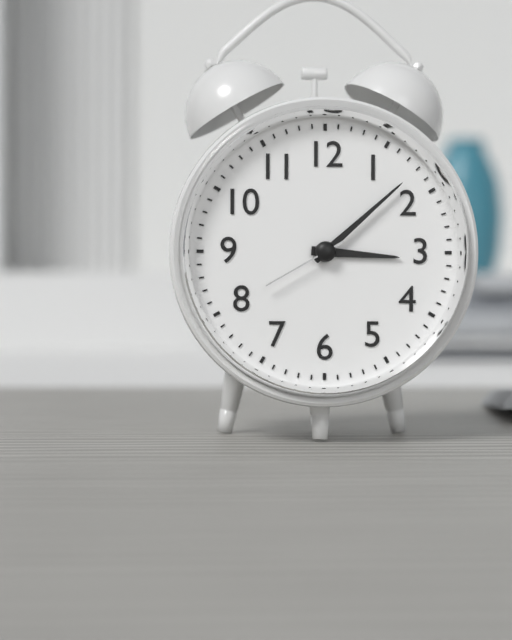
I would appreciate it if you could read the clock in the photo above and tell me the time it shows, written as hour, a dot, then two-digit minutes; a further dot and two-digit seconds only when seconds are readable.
3.08.40
